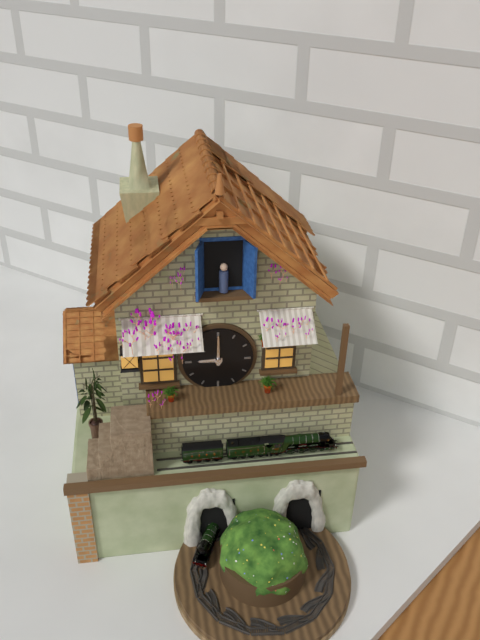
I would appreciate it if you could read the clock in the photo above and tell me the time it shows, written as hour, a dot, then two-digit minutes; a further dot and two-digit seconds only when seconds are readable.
9.00
